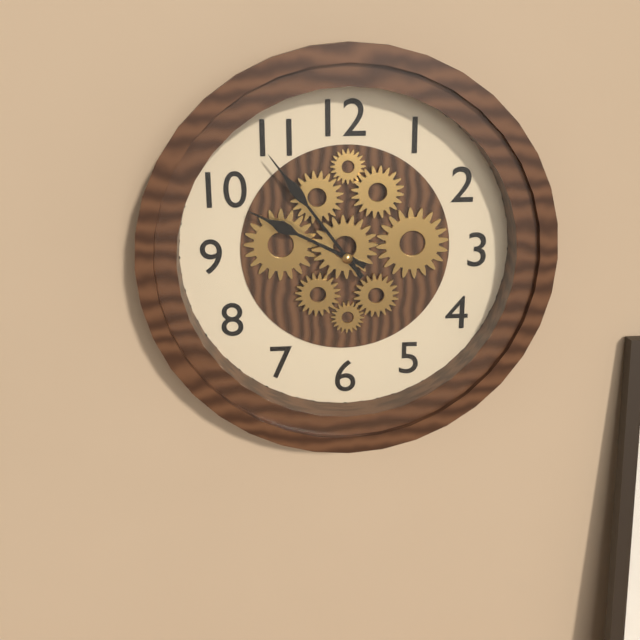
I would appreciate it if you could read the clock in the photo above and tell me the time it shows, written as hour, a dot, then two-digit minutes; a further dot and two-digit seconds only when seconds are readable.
9.54
